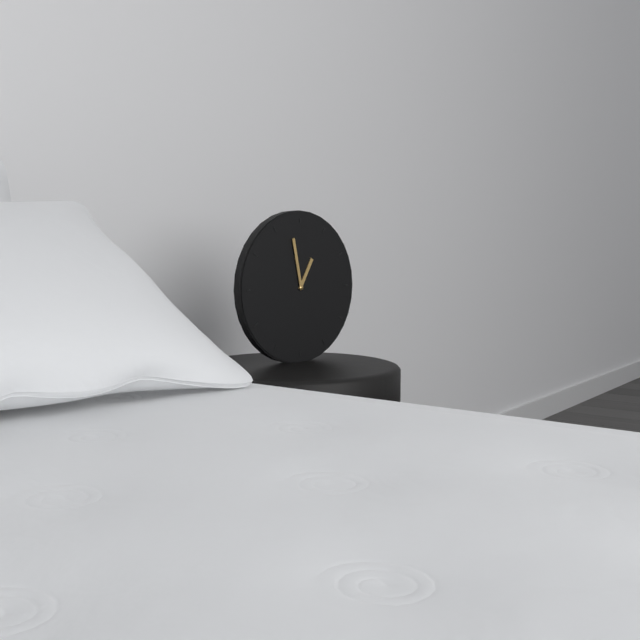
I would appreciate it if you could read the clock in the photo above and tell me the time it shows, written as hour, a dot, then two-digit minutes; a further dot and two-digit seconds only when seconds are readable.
12.58
